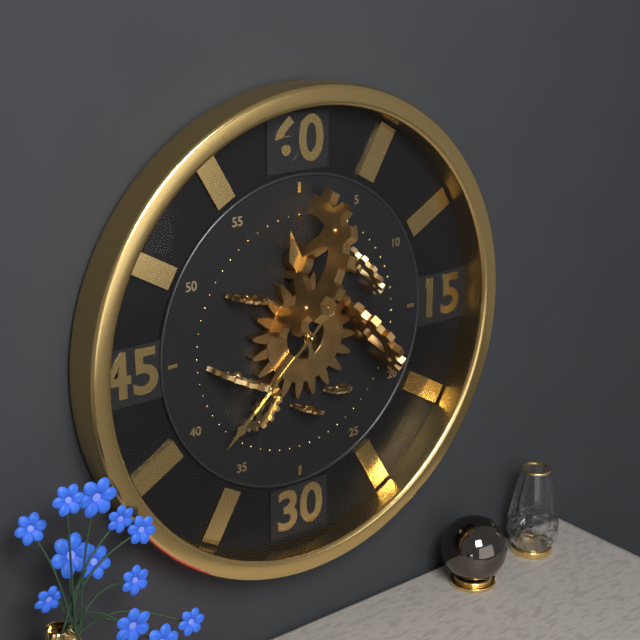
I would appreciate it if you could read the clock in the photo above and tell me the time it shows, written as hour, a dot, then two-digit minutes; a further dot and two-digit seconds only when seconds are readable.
11.38
